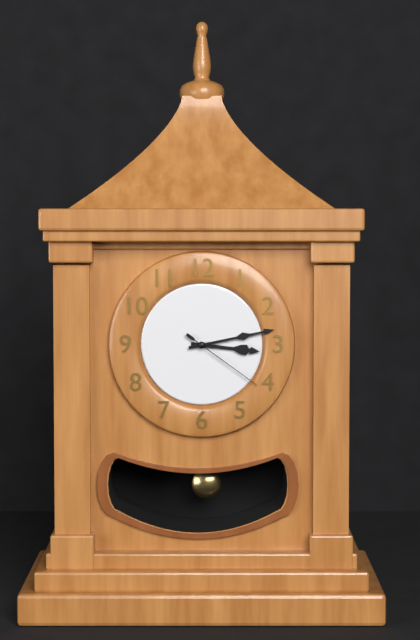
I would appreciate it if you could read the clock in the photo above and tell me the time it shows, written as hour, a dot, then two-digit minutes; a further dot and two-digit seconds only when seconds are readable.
3.13.21
